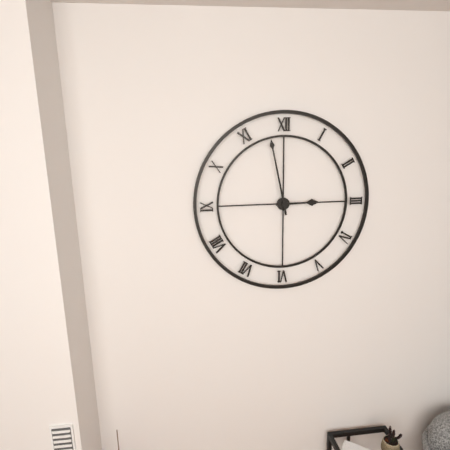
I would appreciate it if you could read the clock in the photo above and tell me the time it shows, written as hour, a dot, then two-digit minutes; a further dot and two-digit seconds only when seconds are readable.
2.58
